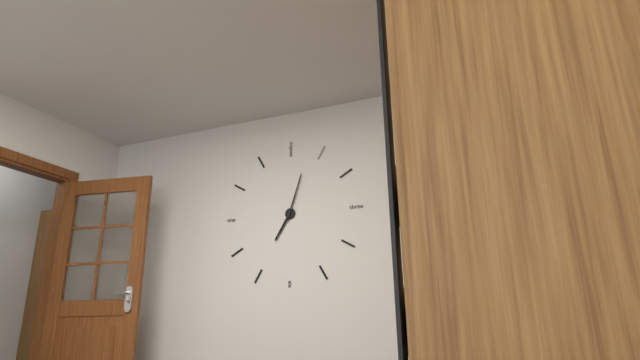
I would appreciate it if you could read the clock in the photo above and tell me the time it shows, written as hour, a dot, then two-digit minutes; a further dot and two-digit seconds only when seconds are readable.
7.03
